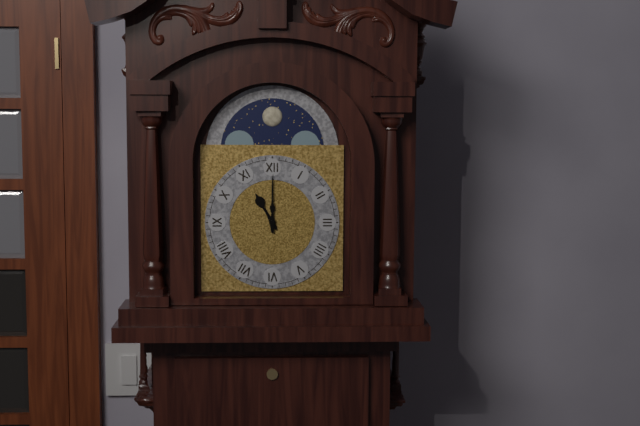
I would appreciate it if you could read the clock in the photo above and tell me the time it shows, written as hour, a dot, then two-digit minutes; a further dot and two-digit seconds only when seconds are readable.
11.00
